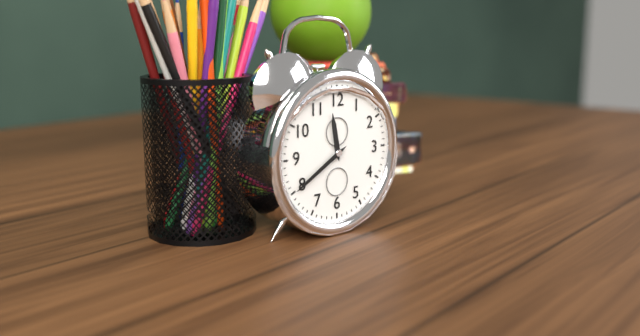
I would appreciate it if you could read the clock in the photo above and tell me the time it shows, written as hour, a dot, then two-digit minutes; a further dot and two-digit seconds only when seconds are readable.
11.40
